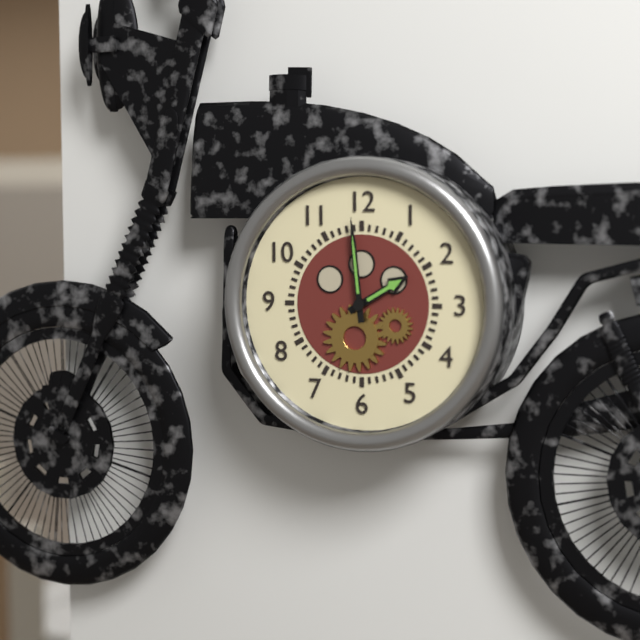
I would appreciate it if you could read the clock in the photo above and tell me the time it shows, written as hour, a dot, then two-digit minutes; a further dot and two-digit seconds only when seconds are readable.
1.59
